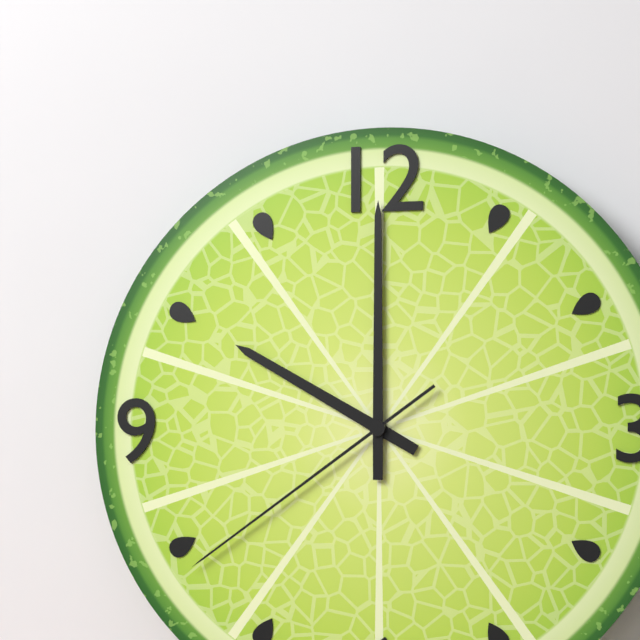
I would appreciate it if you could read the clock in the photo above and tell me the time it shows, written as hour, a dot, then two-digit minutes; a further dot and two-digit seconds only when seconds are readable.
10.00.39
